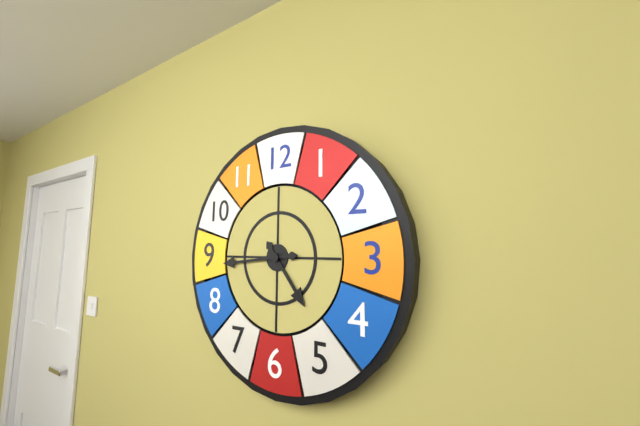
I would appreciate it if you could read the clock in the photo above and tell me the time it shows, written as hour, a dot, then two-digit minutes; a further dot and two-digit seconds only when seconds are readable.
4.44
